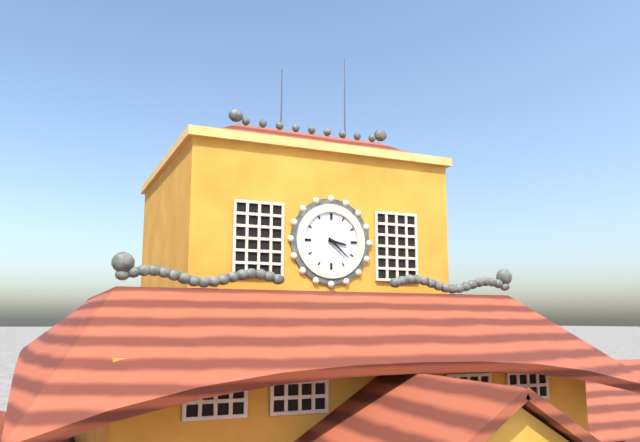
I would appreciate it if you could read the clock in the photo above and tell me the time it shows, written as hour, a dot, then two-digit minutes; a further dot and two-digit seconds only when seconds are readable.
3.22
